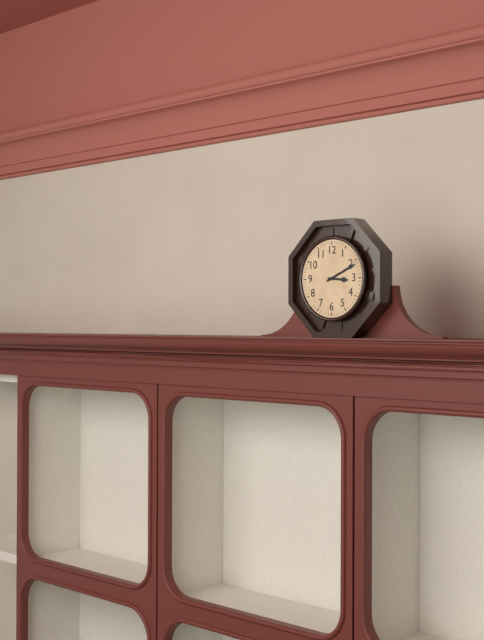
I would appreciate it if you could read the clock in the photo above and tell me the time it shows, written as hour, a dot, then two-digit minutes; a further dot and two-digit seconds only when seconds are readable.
3.11
